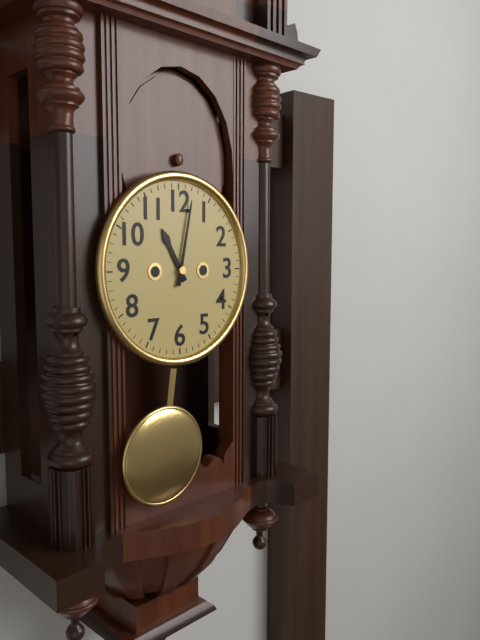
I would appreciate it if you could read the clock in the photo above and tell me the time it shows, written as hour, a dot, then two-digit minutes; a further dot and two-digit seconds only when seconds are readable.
11.02
